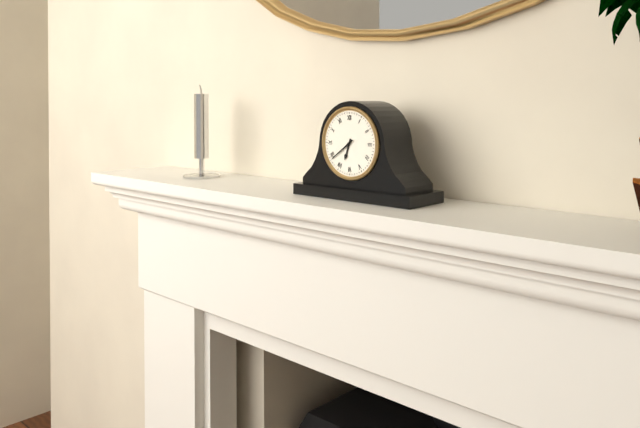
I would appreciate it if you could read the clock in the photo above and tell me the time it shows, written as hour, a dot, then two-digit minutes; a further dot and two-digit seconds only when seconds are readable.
6.39
